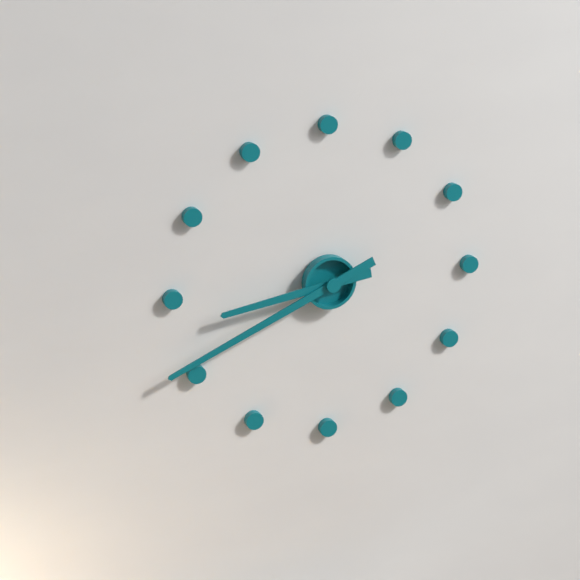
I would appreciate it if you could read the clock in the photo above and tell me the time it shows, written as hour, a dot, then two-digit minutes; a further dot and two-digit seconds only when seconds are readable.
8.41
